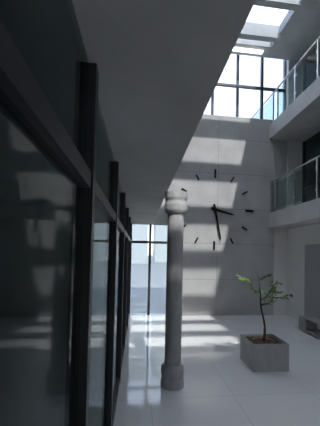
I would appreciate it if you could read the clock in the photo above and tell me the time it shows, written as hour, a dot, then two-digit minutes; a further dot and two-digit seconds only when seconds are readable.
3.28
